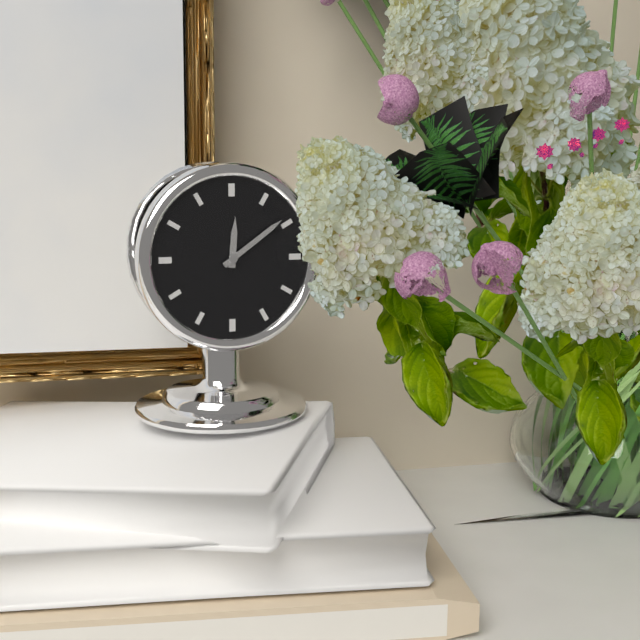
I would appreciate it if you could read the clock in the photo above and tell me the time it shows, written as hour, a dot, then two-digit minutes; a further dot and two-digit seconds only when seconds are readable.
12.09
